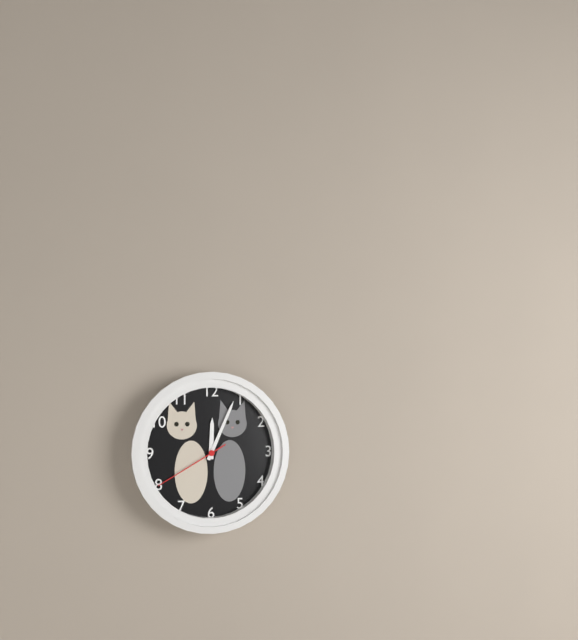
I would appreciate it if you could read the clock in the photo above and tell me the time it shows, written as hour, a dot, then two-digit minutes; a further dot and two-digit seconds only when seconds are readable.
12.04.40
